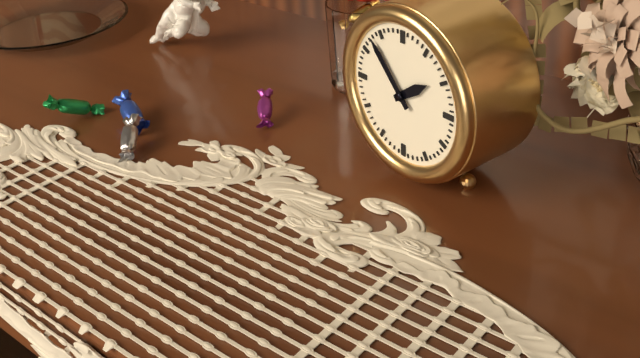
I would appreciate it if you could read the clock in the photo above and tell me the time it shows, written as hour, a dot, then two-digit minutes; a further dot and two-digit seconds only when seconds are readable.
1.53
